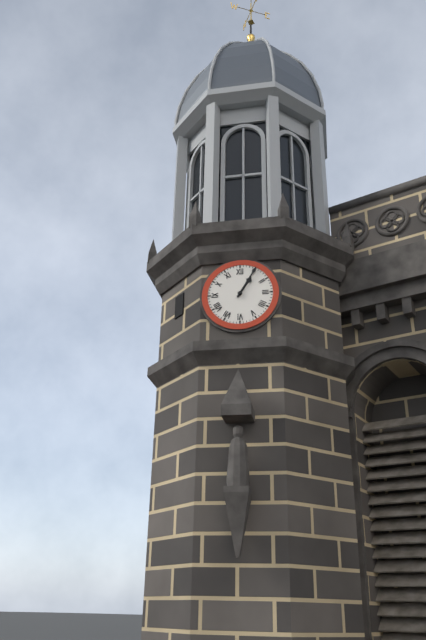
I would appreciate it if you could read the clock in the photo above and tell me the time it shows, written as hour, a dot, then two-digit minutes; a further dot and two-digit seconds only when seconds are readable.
1.05
